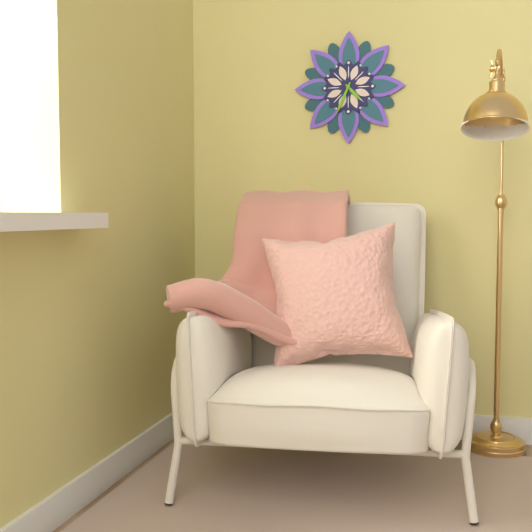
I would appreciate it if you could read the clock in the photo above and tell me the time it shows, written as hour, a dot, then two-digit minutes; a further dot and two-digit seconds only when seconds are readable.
4.34
